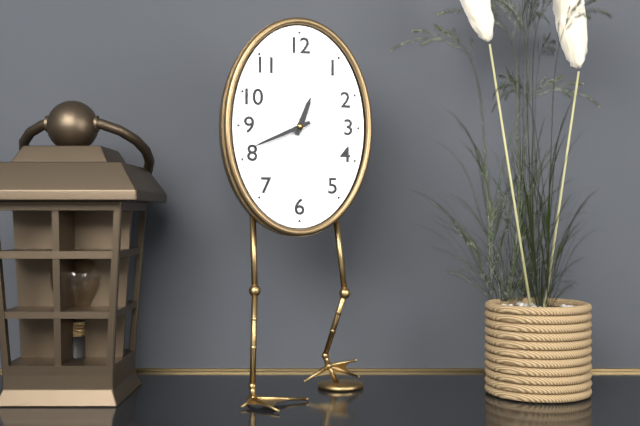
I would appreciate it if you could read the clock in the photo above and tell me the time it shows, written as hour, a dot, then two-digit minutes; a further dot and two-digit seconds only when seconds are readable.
12.41
